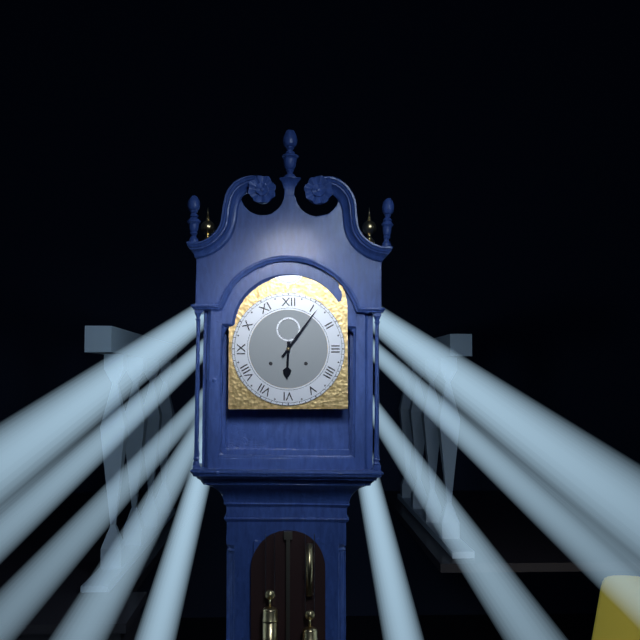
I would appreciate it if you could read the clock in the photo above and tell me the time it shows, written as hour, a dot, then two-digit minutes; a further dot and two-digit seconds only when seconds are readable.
6.06
